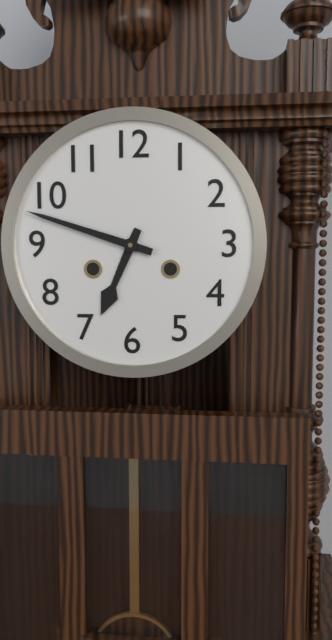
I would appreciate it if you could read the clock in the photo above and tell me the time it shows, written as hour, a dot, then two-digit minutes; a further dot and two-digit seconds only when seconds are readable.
6.48
